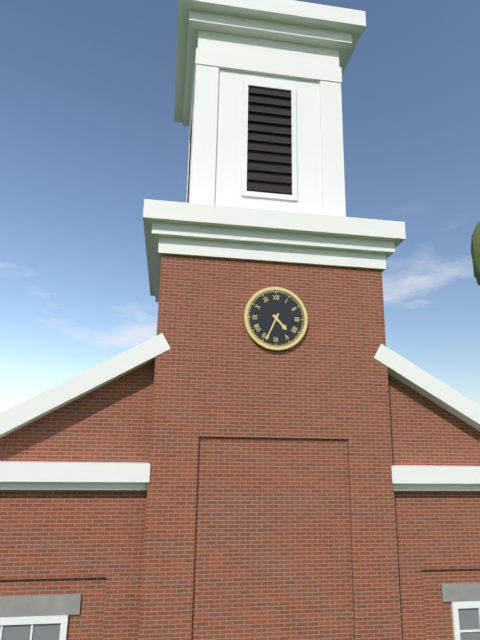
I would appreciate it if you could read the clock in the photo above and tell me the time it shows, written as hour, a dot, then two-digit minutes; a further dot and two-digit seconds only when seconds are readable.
4.34
